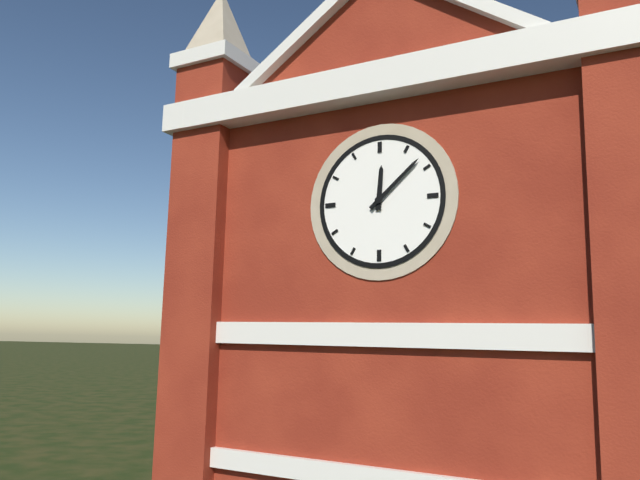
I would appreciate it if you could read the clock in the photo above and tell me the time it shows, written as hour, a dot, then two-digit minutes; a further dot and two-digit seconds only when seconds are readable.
12.08
